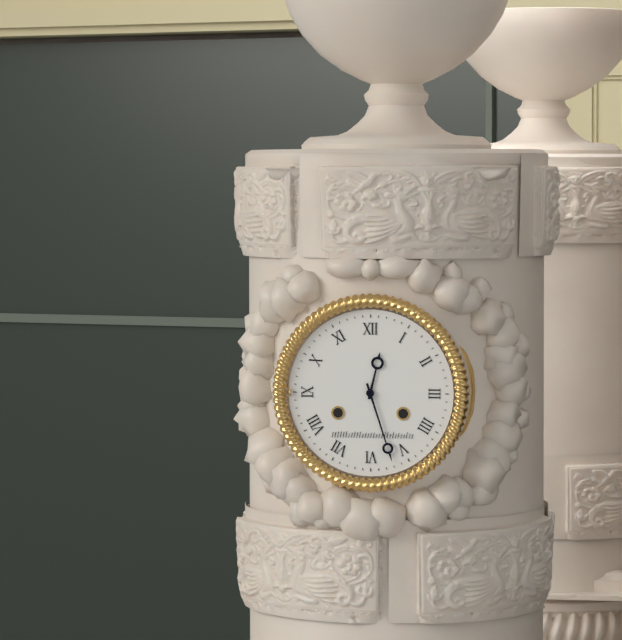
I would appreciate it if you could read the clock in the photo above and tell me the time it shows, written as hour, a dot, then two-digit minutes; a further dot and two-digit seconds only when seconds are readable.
12.27
